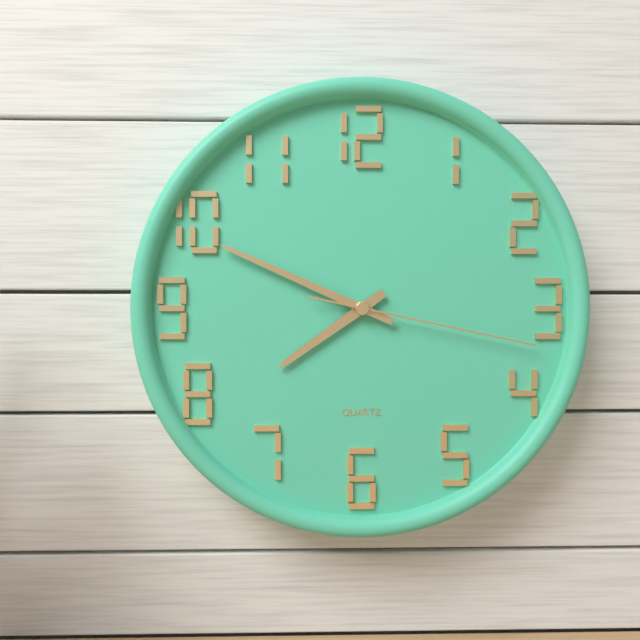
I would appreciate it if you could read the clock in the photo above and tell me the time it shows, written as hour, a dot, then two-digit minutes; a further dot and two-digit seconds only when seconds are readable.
7.49.17
